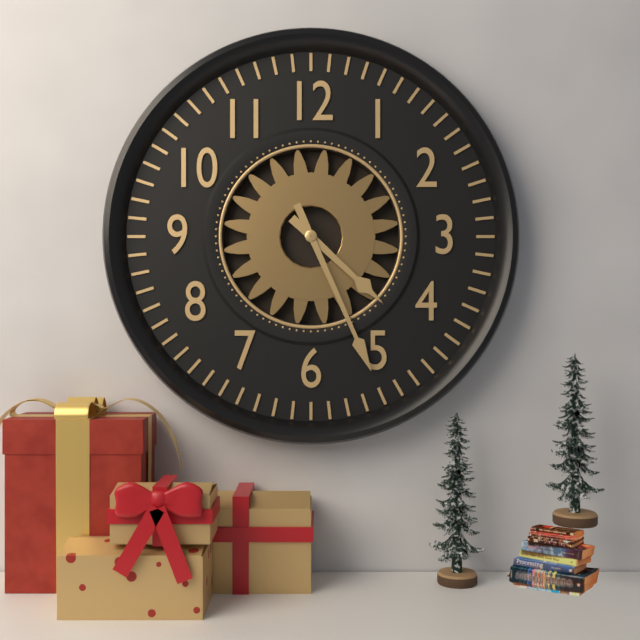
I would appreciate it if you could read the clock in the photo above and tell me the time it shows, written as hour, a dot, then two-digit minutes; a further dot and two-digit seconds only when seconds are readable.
4.26
